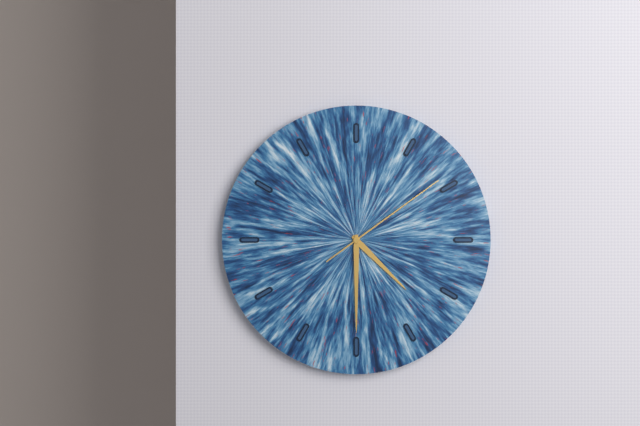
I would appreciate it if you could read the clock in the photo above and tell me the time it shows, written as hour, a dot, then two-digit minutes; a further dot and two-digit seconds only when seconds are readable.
4.30.09
